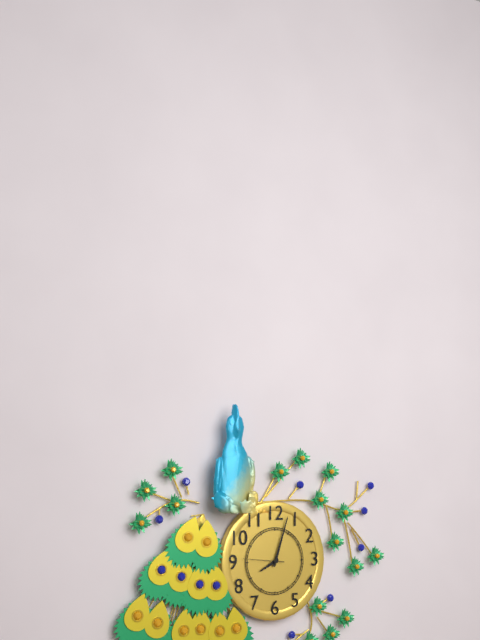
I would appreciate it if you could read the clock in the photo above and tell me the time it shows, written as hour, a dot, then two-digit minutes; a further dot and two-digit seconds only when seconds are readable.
8.03
